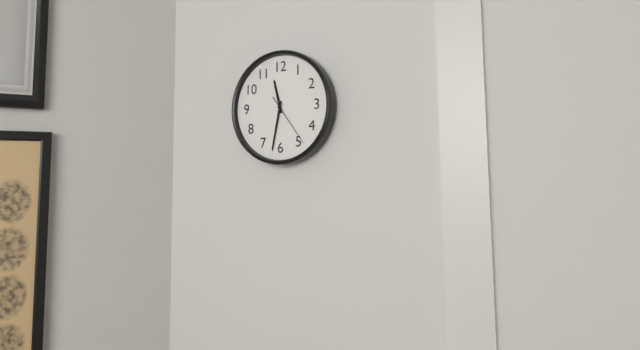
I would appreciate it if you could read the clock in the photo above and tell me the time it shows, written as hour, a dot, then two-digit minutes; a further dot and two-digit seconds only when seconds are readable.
11.32.24
